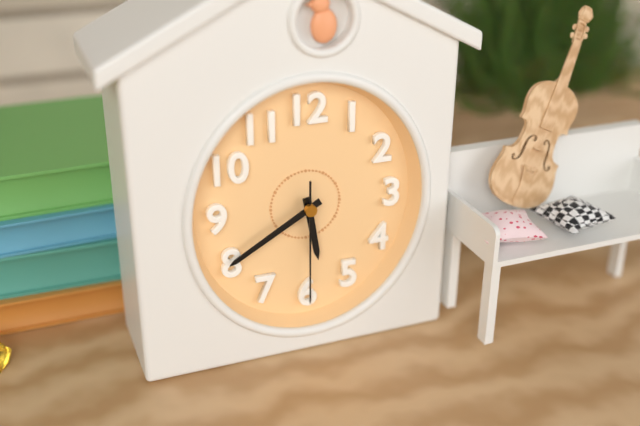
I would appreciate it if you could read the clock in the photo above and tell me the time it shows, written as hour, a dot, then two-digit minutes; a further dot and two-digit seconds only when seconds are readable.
5.40.30
